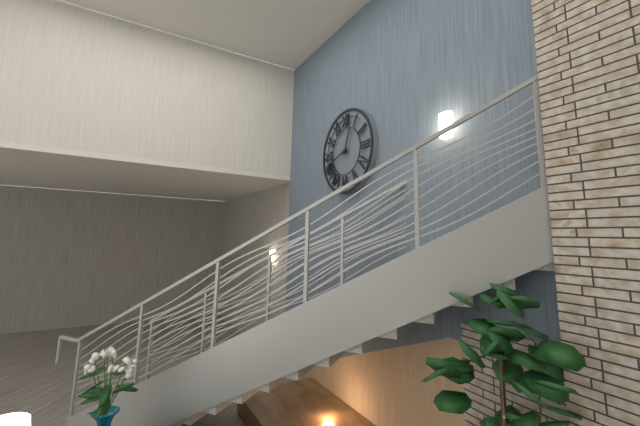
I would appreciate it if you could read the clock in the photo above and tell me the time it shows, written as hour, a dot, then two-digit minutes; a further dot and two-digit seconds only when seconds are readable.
12.42
